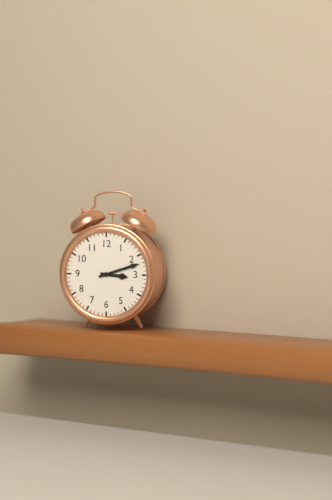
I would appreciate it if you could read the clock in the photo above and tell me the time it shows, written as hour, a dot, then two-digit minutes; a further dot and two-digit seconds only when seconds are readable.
3.12
